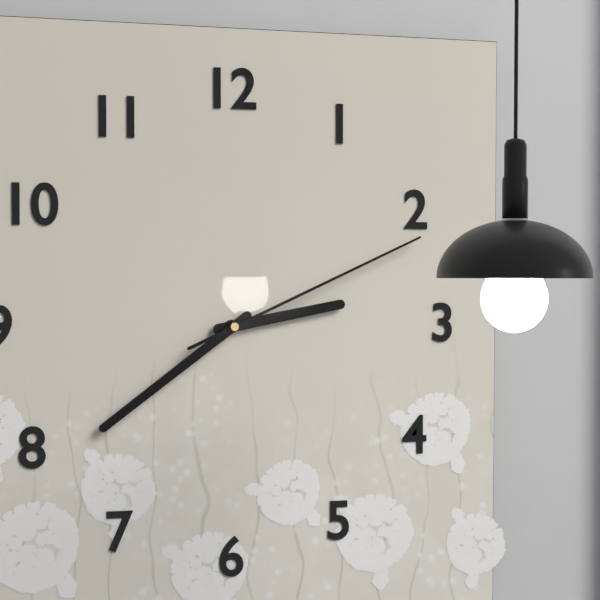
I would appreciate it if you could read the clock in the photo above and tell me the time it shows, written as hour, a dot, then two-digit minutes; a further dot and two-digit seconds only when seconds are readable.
2.39.11
